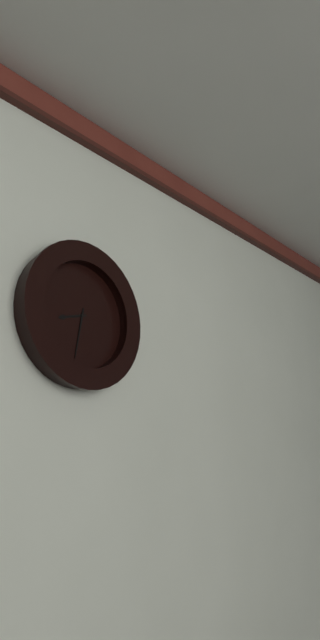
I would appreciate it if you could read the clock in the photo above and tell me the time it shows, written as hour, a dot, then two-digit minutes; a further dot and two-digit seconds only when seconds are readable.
8.32
